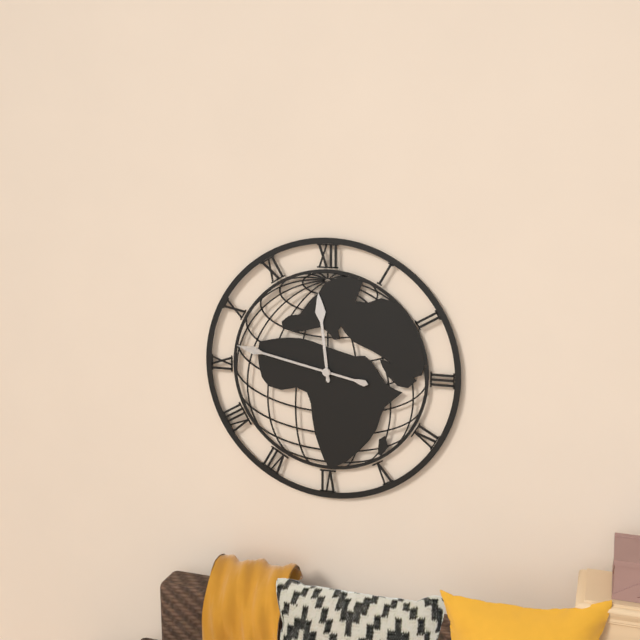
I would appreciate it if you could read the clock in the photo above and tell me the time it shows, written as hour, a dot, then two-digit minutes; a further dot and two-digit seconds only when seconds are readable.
11.47
